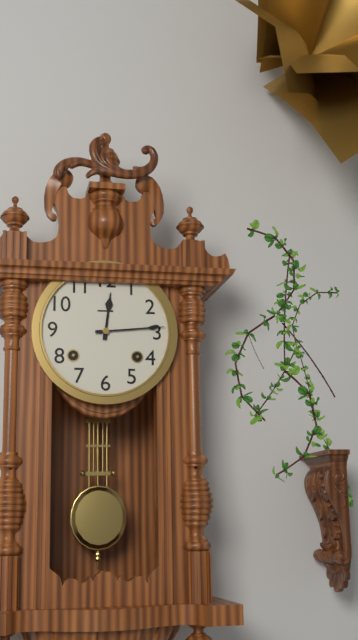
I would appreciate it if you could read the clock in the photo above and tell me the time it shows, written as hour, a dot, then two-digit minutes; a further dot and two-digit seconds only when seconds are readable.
12.14
